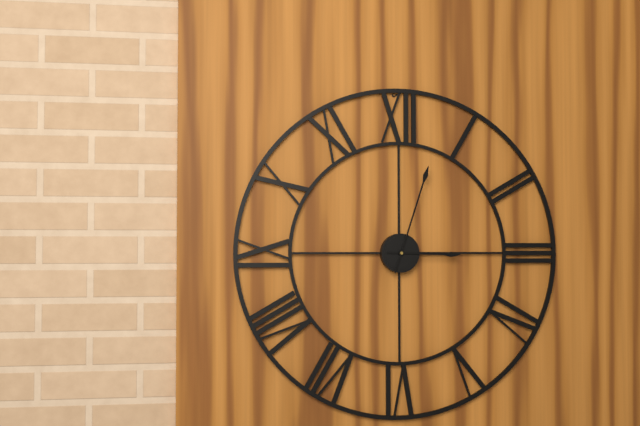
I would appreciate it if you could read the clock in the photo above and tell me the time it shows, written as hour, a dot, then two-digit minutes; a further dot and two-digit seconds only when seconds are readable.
3.03
